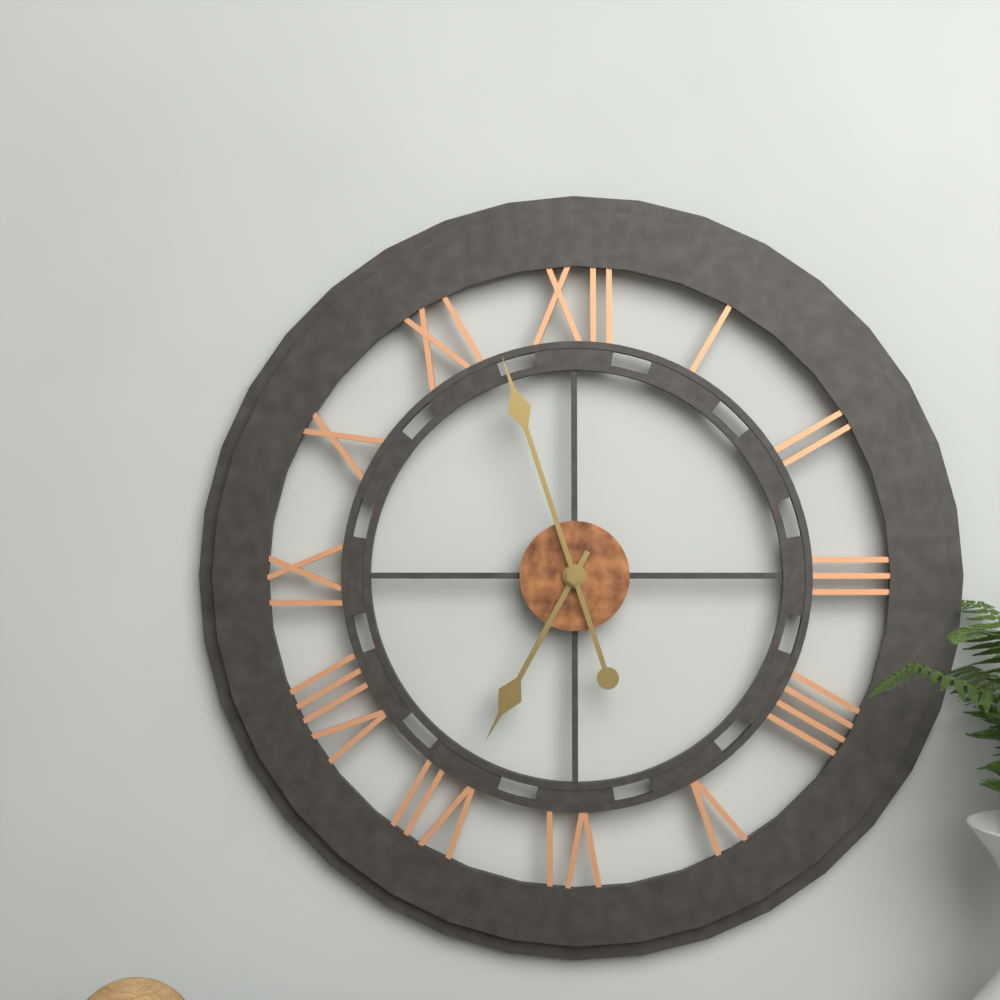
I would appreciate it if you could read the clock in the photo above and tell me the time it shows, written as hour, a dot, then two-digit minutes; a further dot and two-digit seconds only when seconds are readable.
6.57
